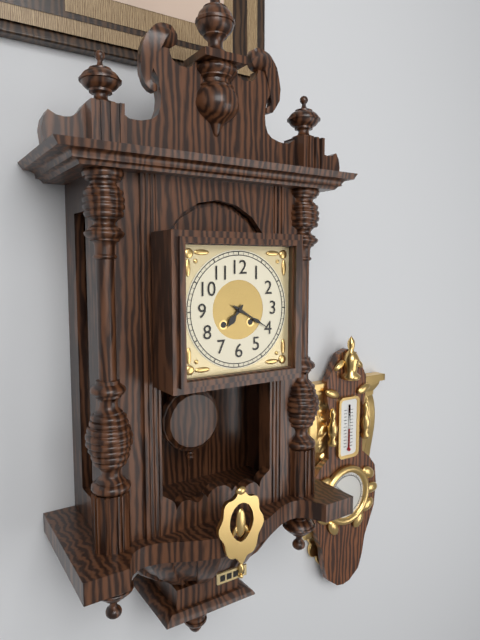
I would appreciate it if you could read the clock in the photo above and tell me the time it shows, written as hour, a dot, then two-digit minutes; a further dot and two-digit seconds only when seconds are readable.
7.20
